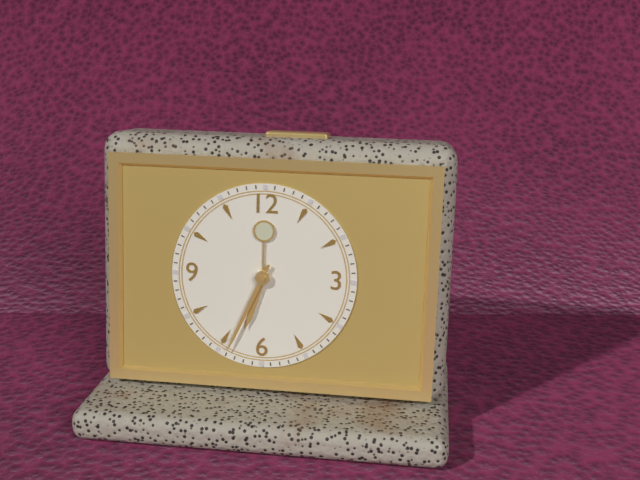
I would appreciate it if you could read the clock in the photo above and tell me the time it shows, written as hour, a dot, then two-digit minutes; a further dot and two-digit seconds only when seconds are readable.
6.34
